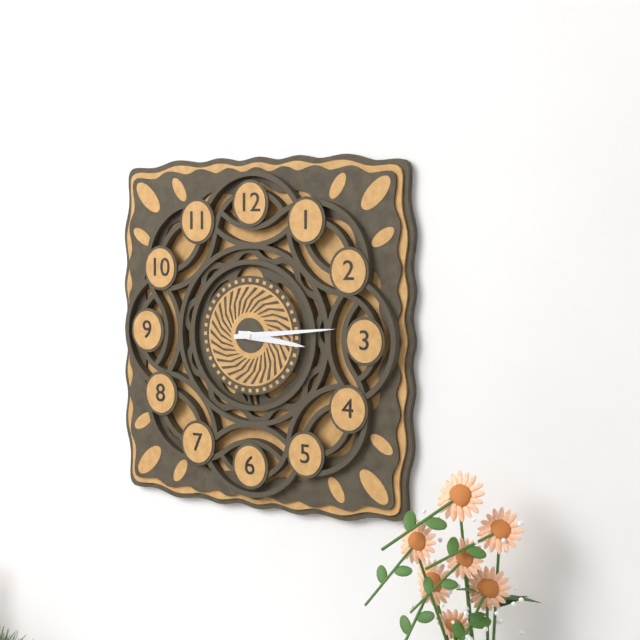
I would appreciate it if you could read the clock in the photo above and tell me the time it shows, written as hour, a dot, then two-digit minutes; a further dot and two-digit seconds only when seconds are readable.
3.14
